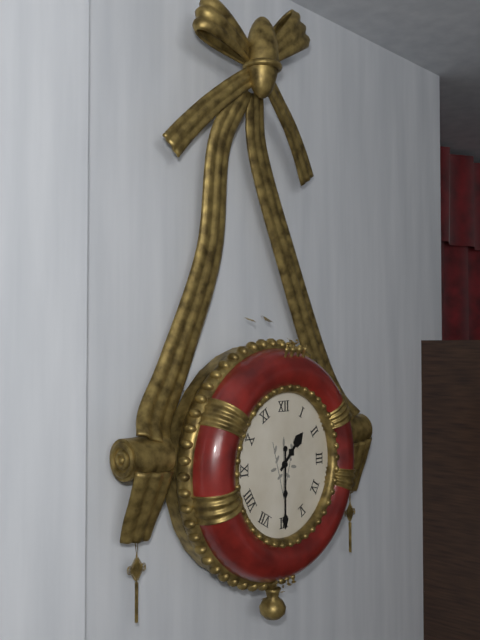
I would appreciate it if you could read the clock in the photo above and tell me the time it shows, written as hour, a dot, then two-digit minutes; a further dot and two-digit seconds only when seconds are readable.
1.30
